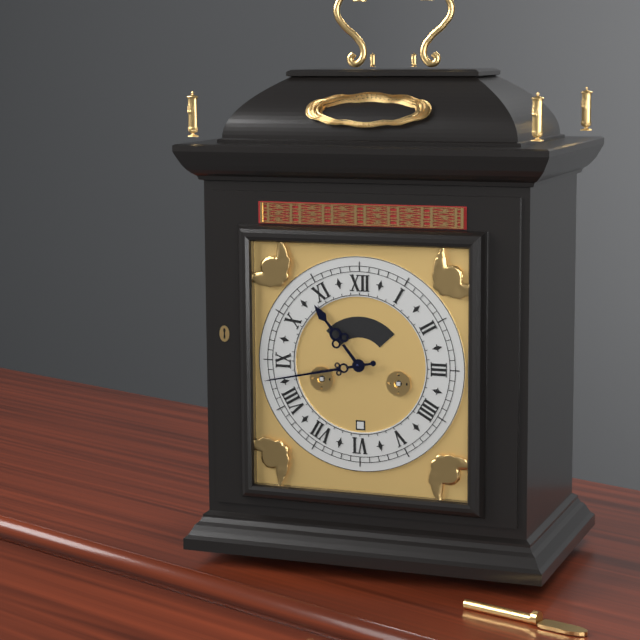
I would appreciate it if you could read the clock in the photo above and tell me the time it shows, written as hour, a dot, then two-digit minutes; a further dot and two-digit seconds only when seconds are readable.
10.43
